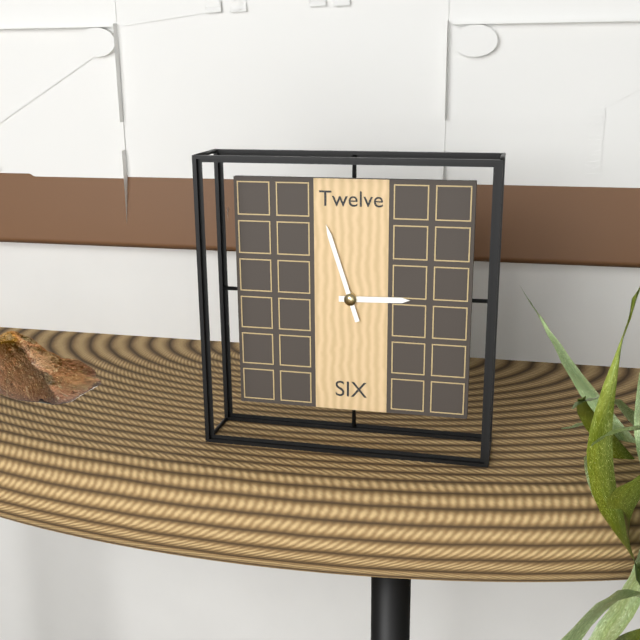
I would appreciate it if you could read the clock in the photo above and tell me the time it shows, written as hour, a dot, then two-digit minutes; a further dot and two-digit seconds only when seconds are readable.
2.57
